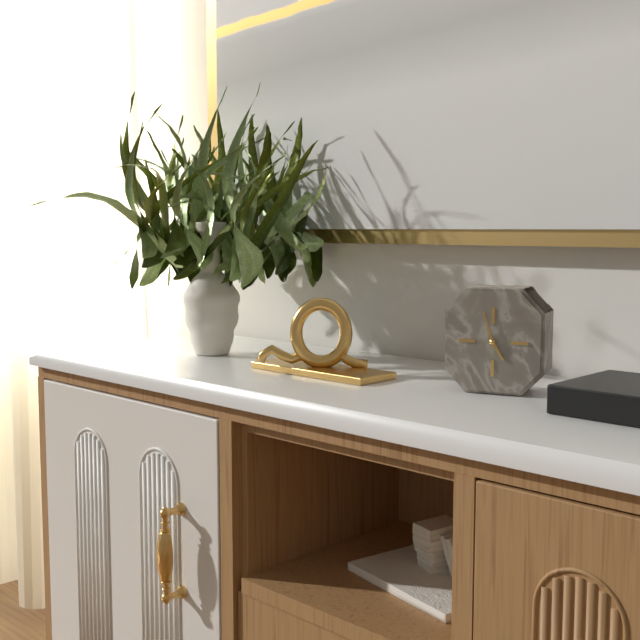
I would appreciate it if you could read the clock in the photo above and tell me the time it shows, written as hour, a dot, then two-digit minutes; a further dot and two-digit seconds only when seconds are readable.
4.57
